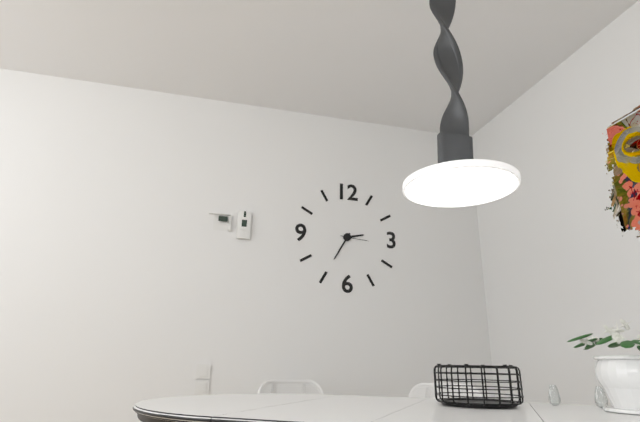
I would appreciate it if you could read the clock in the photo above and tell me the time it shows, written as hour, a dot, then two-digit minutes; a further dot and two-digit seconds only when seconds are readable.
2.35
